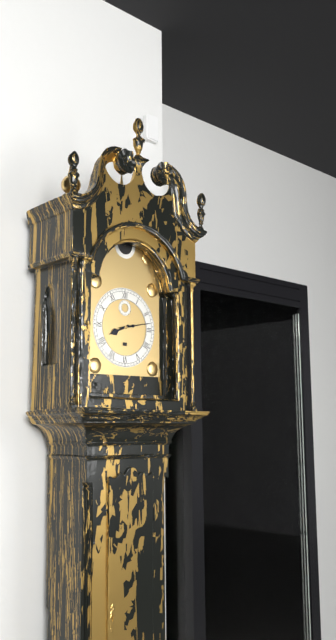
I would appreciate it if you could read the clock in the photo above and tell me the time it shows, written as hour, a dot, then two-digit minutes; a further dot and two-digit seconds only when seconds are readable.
8.13
